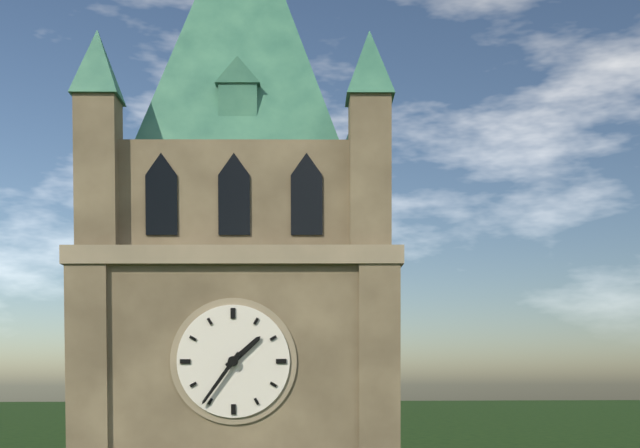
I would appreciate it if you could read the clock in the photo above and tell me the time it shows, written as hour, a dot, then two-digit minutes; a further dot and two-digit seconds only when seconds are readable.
1.36
